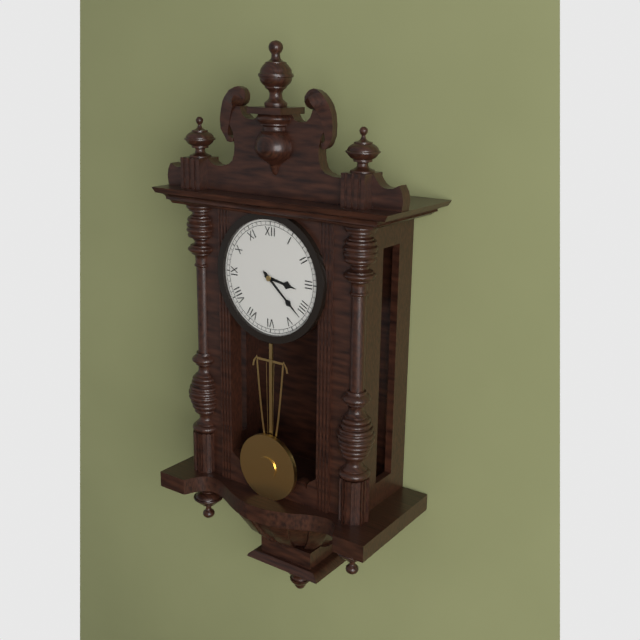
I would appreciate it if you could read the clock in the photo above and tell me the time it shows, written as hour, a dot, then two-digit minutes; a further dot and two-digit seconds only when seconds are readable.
3.22
